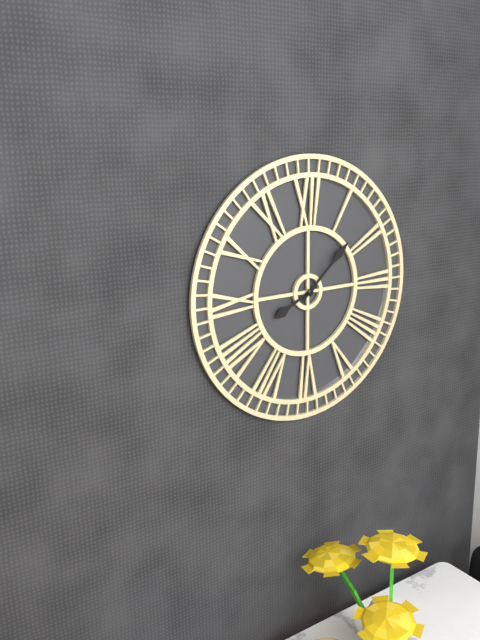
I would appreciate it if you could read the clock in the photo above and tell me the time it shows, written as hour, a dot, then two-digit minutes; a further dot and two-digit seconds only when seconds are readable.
8.08
